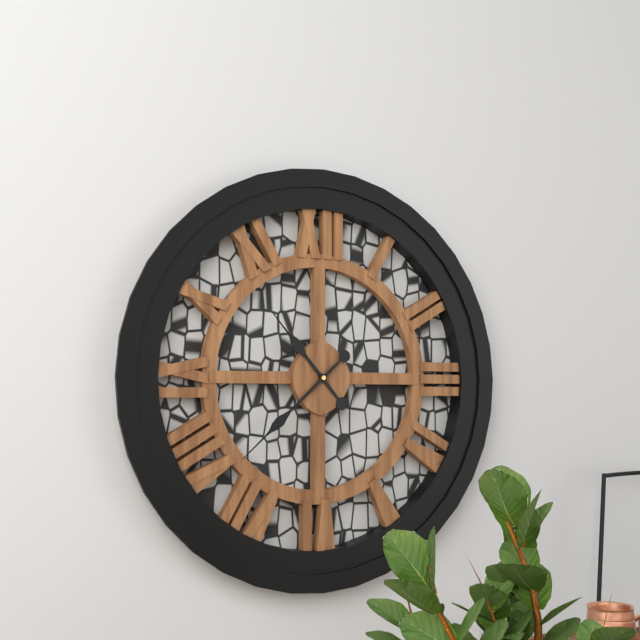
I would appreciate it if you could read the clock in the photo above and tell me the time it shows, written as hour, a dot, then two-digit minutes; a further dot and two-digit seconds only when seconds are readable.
10.38
